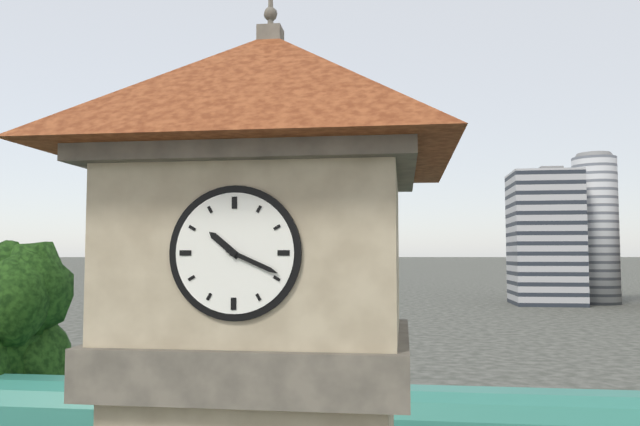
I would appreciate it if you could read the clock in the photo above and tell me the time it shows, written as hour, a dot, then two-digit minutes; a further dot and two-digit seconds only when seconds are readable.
10.19
